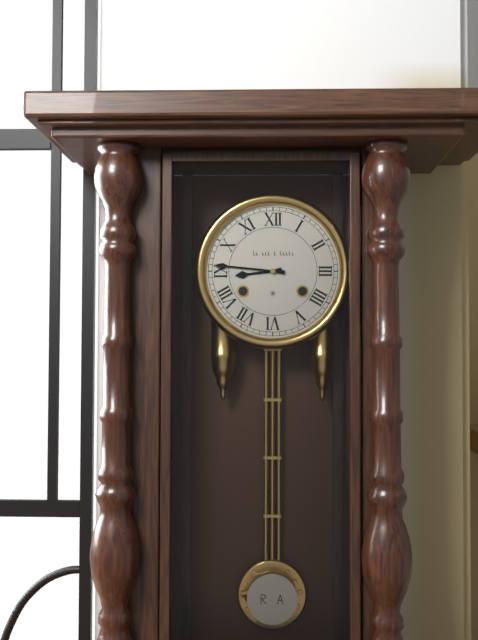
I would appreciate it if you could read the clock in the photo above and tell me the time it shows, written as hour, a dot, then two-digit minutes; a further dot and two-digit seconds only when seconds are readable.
8.46
